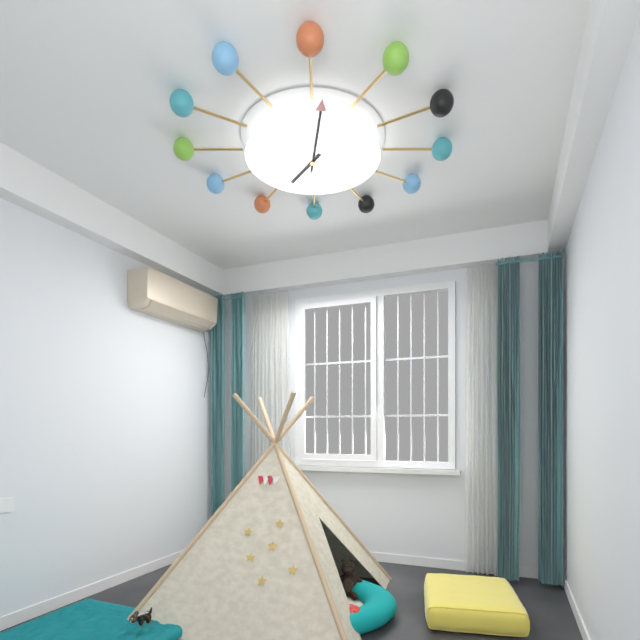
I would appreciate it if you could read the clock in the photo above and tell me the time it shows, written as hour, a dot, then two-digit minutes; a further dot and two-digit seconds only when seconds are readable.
7.01
